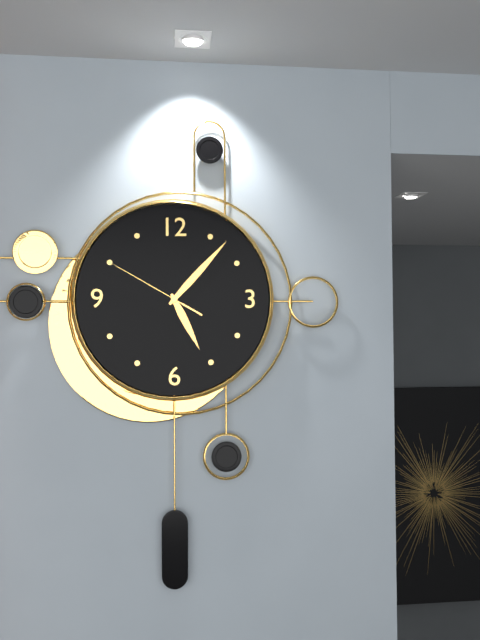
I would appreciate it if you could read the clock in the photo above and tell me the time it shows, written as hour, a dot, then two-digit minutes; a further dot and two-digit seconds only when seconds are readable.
5.07.50
